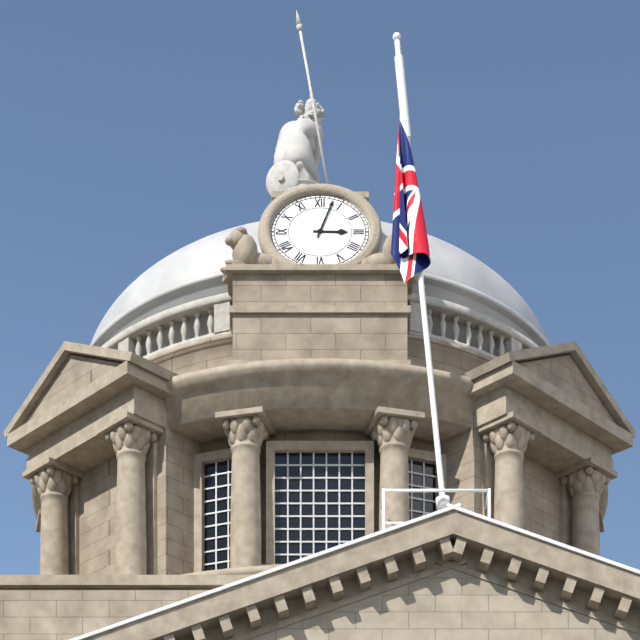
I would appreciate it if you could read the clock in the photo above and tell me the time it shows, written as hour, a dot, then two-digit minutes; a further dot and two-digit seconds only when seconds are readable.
3.03
